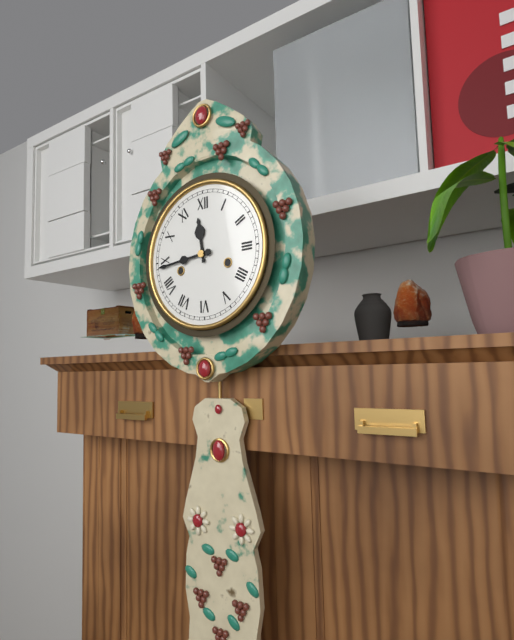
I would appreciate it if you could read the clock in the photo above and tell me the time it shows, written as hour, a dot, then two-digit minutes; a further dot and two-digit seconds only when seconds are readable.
11.44
